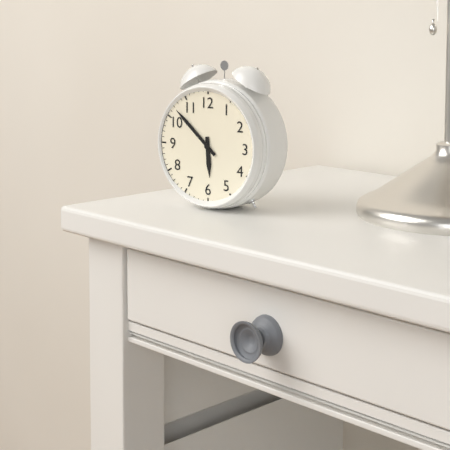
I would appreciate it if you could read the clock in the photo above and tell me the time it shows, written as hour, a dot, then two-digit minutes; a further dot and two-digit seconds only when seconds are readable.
5.52
